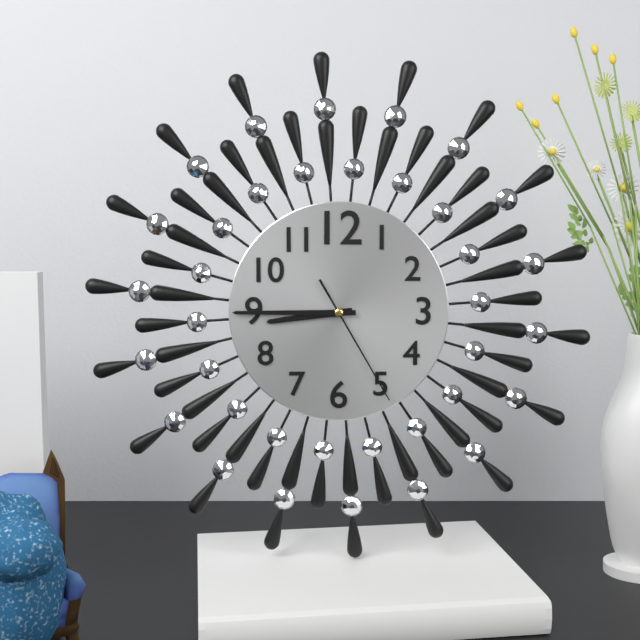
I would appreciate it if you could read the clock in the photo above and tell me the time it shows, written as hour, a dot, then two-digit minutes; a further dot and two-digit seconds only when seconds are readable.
8.45.25
